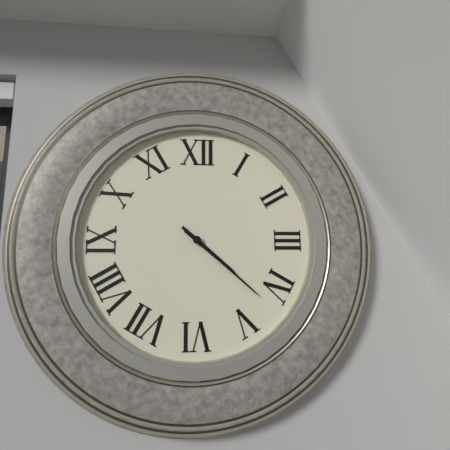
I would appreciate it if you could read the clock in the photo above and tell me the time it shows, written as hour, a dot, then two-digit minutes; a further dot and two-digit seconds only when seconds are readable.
4.22
